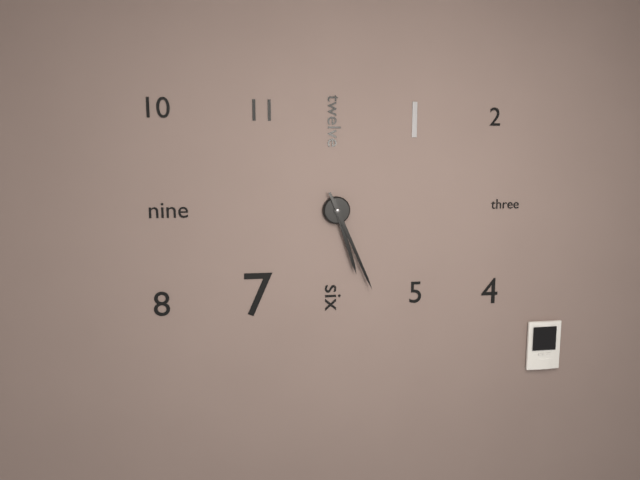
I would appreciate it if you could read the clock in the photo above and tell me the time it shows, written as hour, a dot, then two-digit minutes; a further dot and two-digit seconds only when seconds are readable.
5.26
